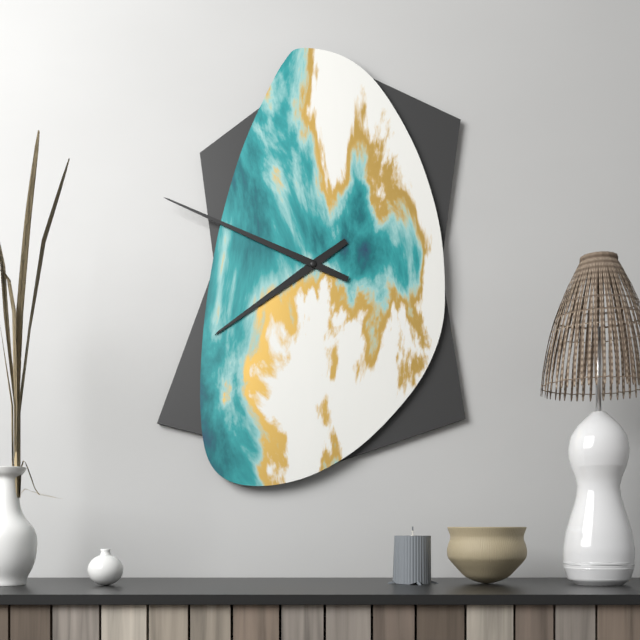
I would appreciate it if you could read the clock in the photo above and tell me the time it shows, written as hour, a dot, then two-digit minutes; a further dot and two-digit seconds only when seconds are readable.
7.49
